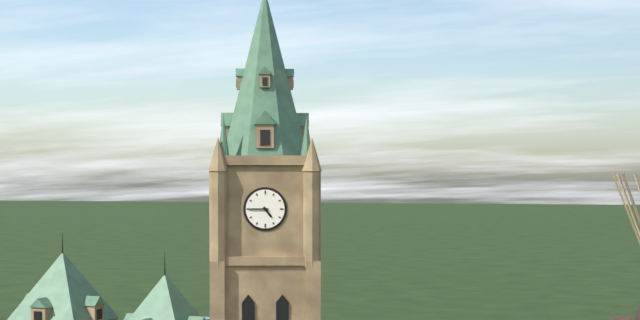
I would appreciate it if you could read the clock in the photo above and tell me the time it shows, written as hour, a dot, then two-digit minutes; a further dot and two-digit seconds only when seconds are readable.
4.45
